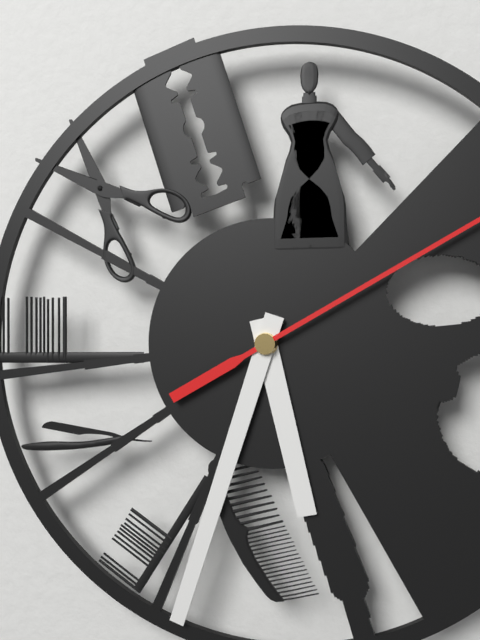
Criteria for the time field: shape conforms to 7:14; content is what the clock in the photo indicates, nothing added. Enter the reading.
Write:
5:33
